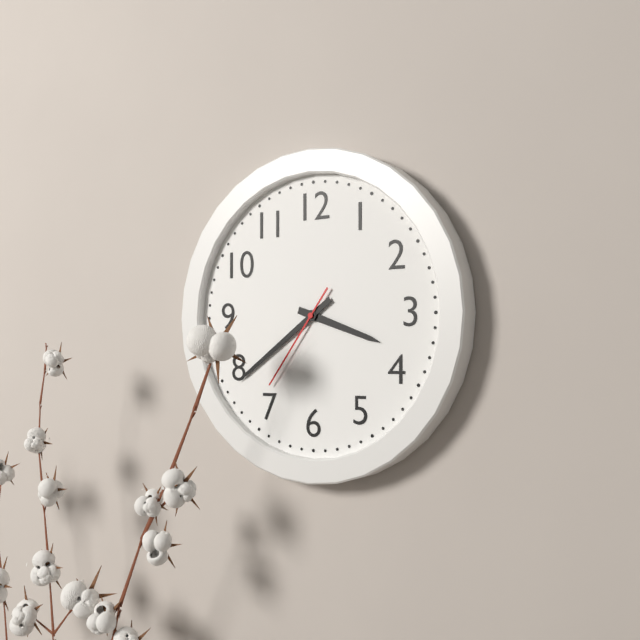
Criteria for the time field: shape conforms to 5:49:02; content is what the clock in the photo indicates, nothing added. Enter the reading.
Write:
3:39:36
